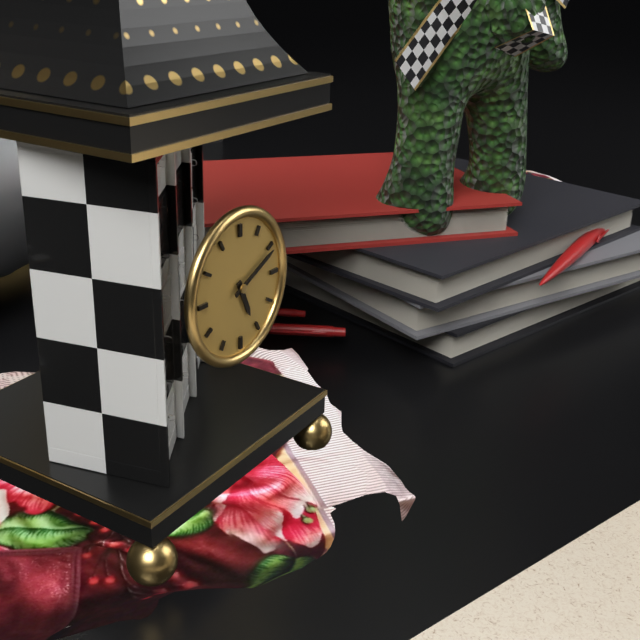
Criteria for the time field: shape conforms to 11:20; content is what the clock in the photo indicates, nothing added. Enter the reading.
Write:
5:11
